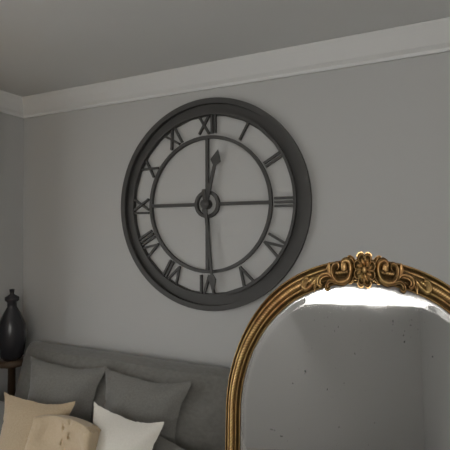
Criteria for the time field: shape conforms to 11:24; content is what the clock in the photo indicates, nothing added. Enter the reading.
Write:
12:29
